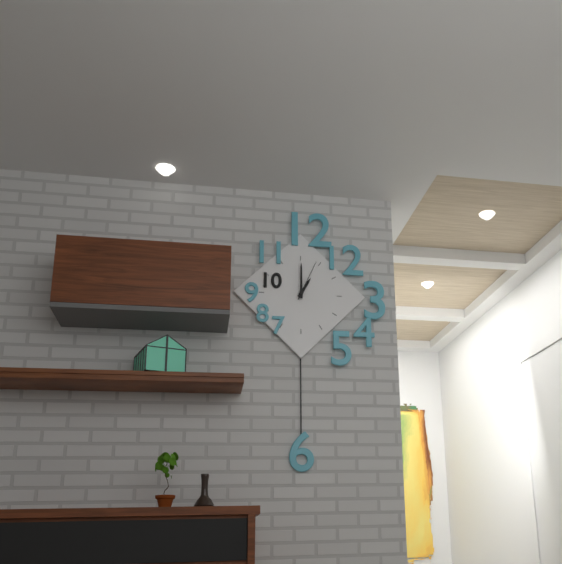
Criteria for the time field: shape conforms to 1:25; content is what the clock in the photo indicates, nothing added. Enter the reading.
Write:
1:00
